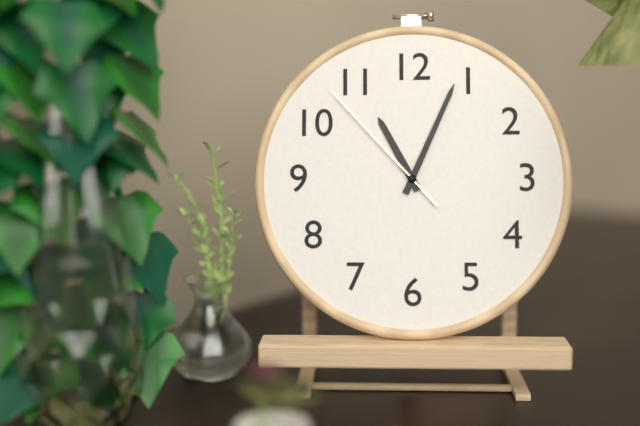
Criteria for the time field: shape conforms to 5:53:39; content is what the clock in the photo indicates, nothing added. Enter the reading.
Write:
11:04:53
